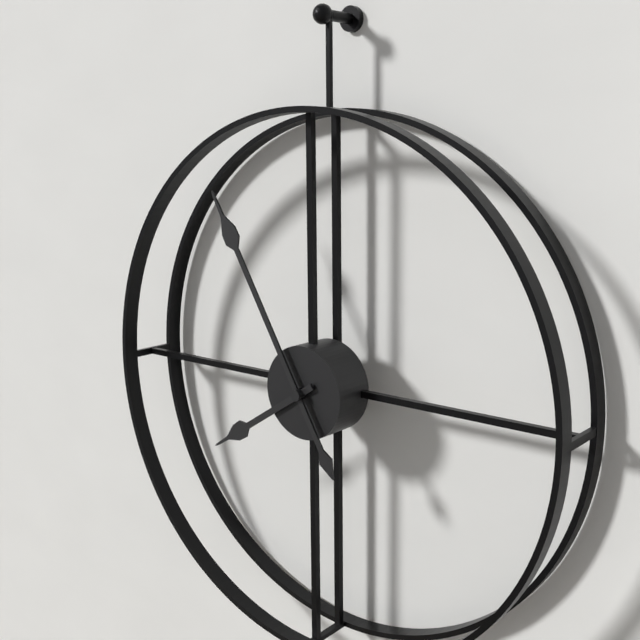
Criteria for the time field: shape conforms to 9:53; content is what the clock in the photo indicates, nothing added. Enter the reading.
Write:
7:55
